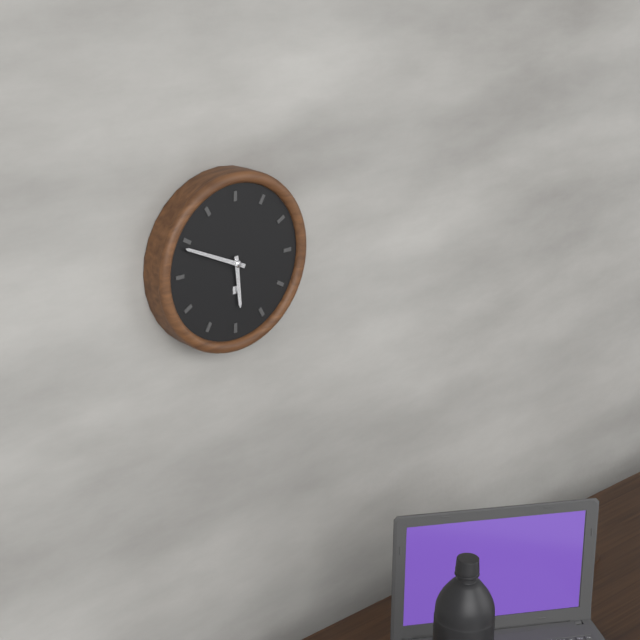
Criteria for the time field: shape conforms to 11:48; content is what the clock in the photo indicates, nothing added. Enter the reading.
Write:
5:49
